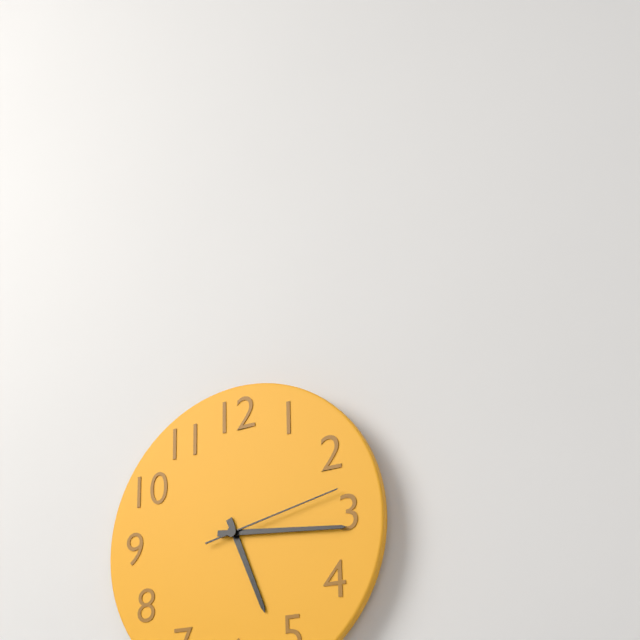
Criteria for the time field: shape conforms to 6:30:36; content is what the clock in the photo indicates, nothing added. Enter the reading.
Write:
5:16:13
